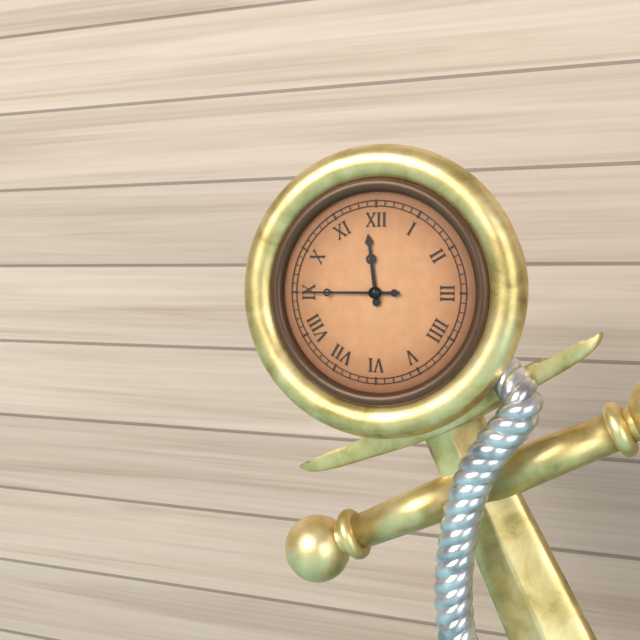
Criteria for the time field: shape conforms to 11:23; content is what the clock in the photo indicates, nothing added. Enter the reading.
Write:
11:45
